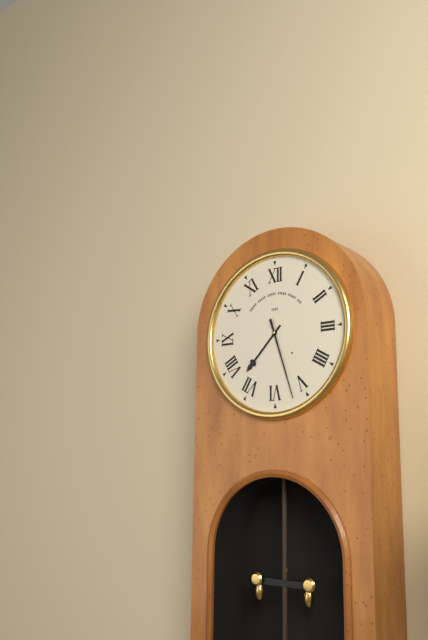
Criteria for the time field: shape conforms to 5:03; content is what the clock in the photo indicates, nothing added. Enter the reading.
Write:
7:27
